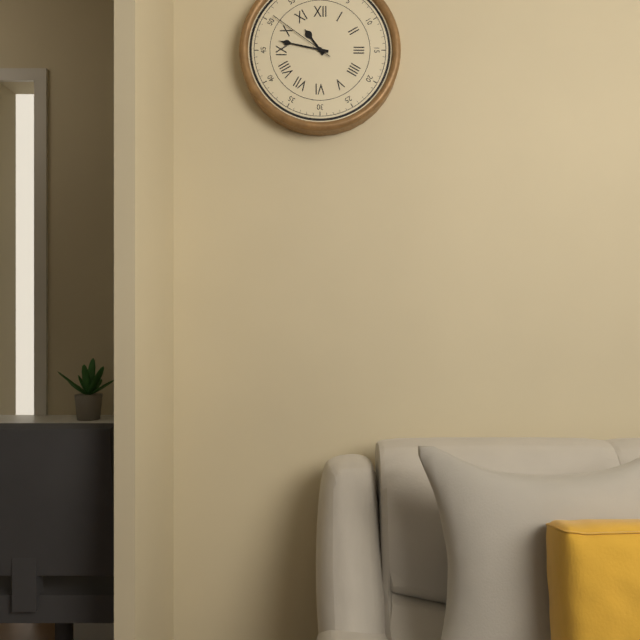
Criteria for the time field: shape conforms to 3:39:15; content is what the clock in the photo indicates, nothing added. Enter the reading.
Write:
10:47:51
